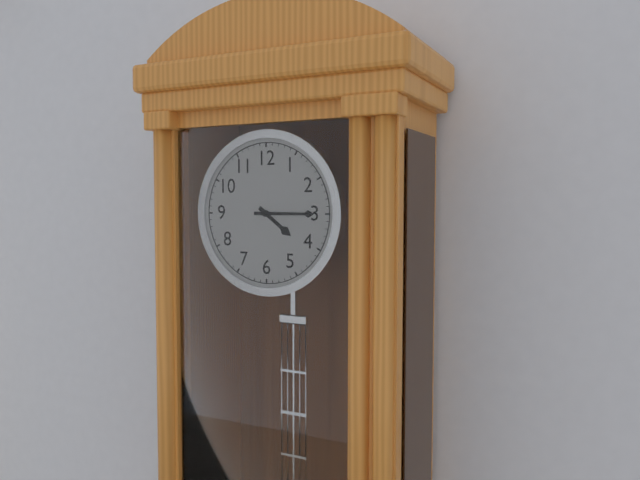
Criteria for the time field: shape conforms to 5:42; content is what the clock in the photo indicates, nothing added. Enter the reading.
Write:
4:15
